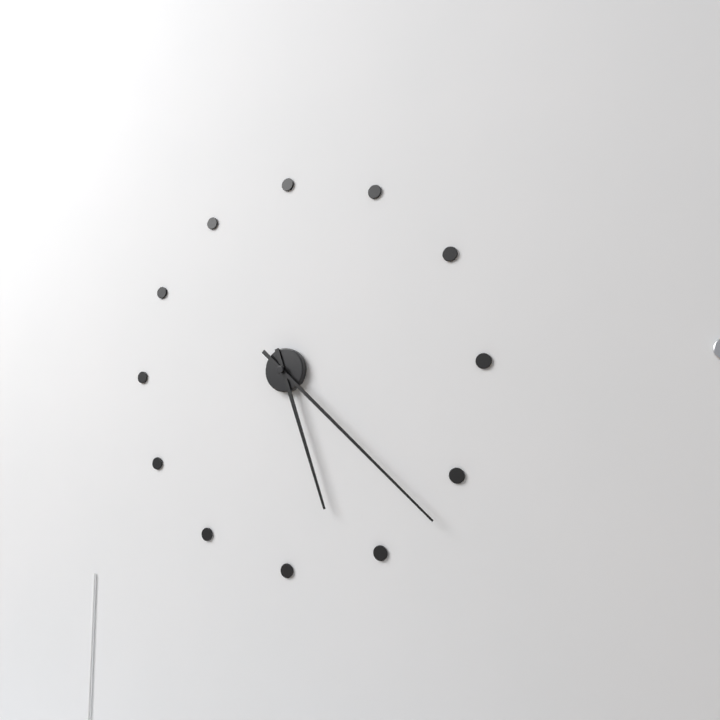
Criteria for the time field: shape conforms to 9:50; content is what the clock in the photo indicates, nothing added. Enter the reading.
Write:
5:22
